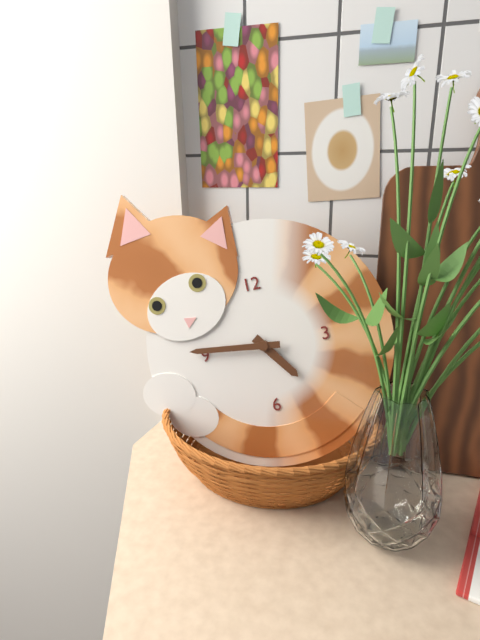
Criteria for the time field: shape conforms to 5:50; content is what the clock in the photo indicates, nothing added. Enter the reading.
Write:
4:46
